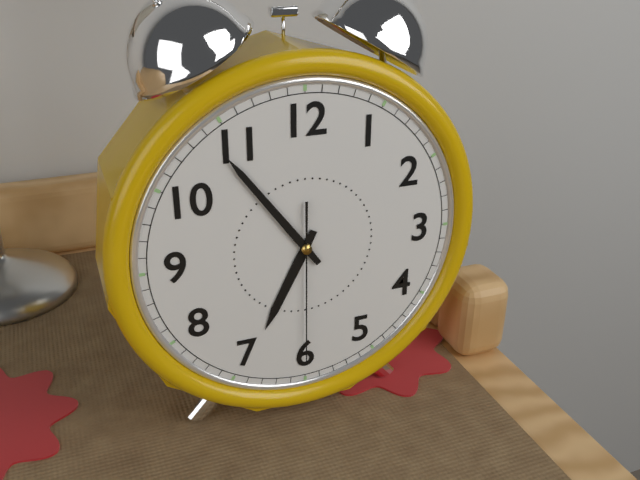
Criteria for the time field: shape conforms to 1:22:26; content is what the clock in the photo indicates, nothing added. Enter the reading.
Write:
6:54:30
